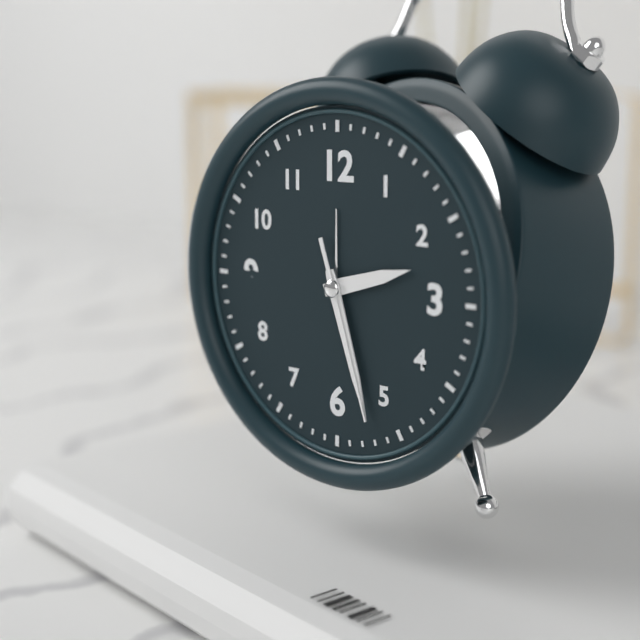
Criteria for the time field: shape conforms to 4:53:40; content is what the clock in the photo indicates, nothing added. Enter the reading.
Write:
2:27:27
